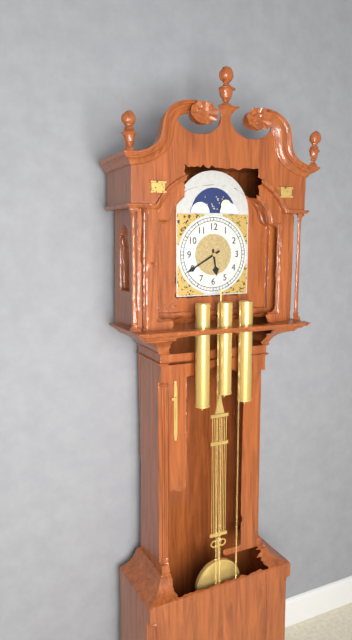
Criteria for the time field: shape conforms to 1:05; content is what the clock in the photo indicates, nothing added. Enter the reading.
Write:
5:40
